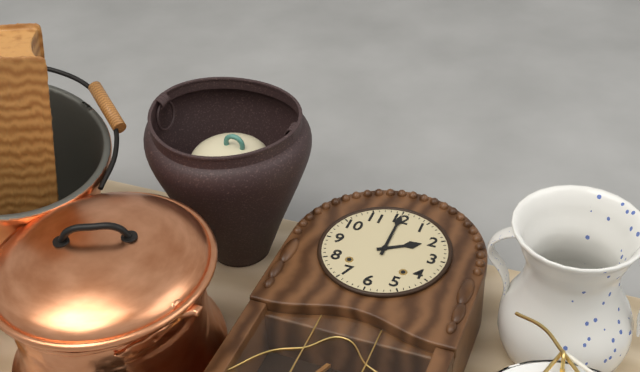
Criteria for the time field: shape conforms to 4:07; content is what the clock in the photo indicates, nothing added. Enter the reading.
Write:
2:00
